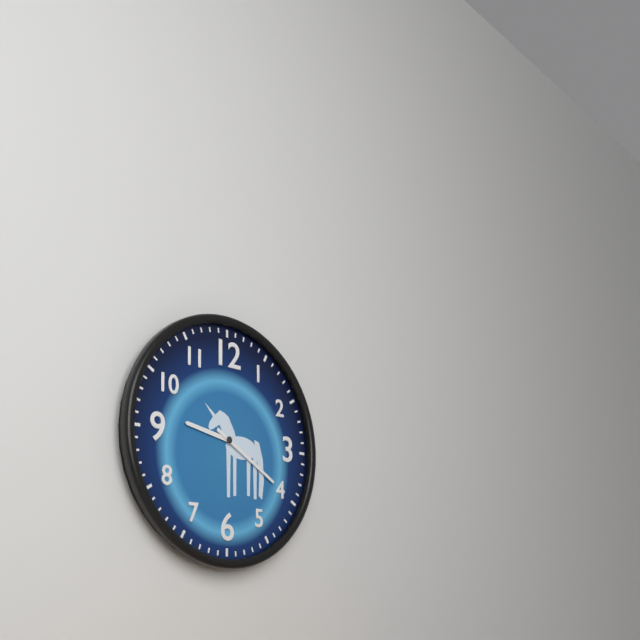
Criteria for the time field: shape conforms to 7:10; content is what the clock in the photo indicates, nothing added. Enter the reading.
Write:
9:20
